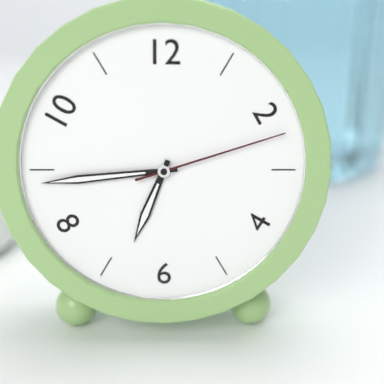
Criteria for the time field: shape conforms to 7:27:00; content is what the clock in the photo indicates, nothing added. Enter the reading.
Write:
6:44:12
